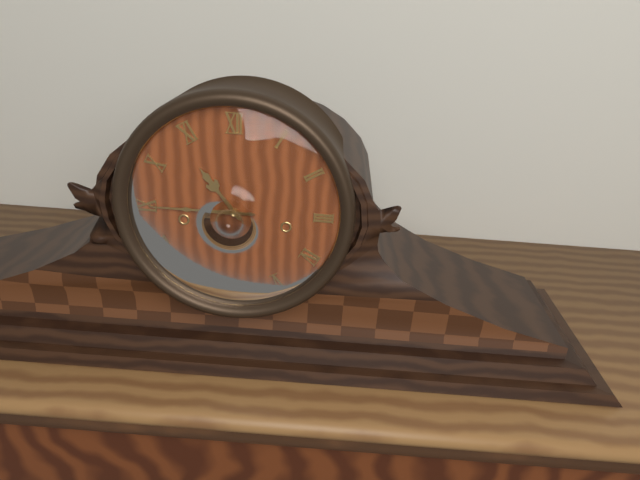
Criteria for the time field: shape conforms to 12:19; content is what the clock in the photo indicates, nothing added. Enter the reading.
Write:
10:45
